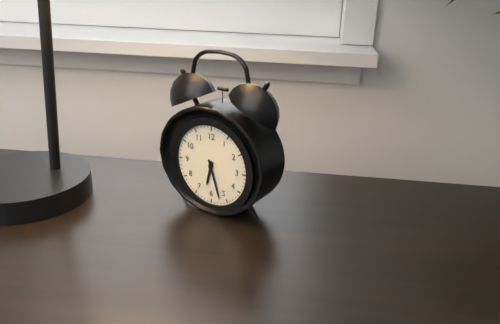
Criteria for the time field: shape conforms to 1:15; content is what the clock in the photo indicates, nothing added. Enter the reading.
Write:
6:27
